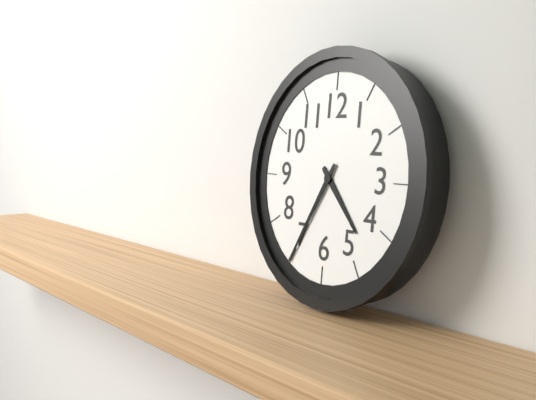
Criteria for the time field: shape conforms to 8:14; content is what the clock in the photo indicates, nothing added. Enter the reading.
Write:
4:35
